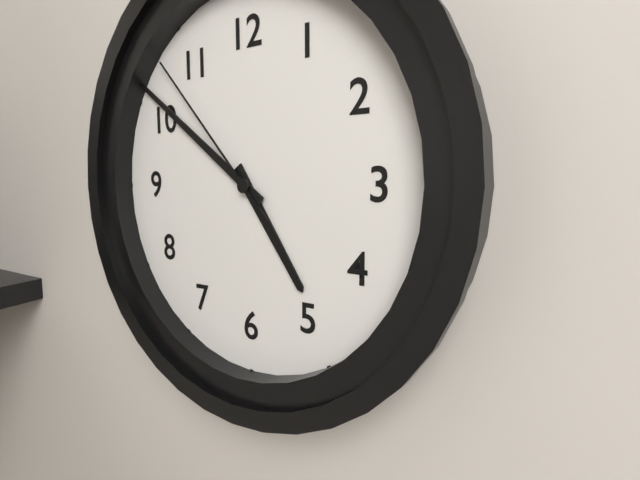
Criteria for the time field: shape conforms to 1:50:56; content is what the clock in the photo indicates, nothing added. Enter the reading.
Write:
4:51:53
